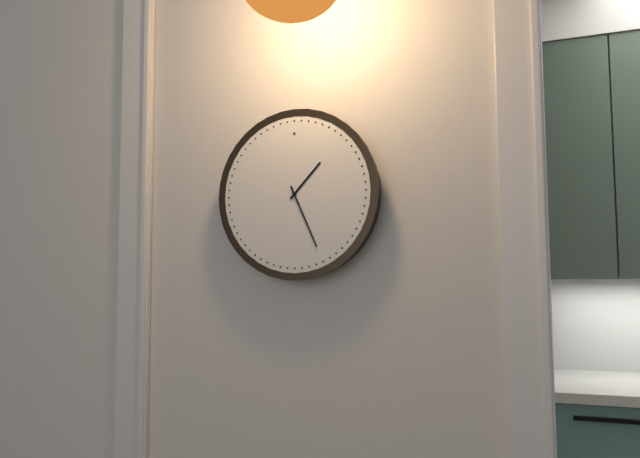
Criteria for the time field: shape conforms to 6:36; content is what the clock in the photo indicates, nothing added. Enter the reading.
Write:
1:26
